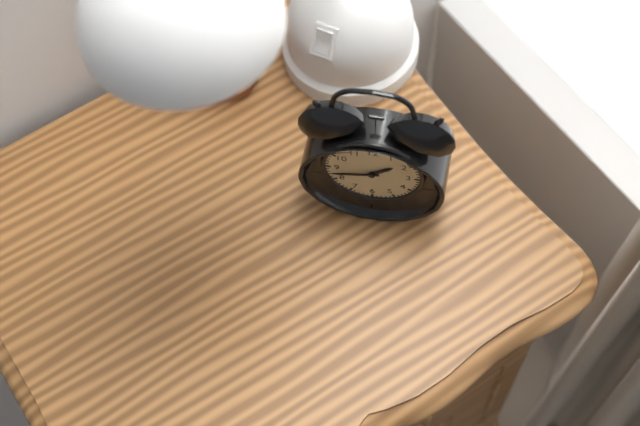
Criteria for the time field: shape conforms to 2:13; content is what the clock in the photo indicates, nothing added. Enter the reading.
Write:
1:43
